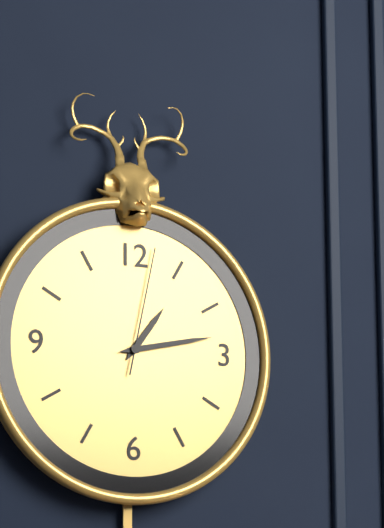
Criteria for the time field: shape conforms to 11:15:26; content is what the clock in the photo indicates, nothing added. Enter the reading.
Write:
1:13:02
